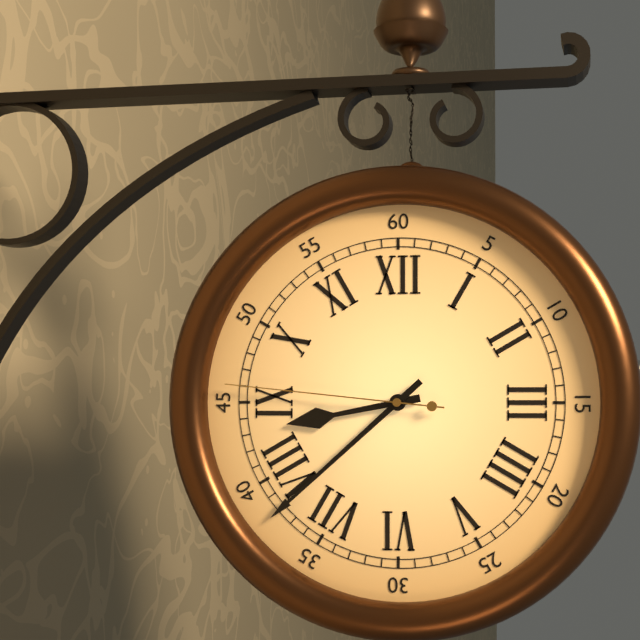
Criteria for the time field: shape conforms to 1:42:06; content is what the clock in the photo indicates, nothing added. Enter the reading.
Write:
8:38:46
